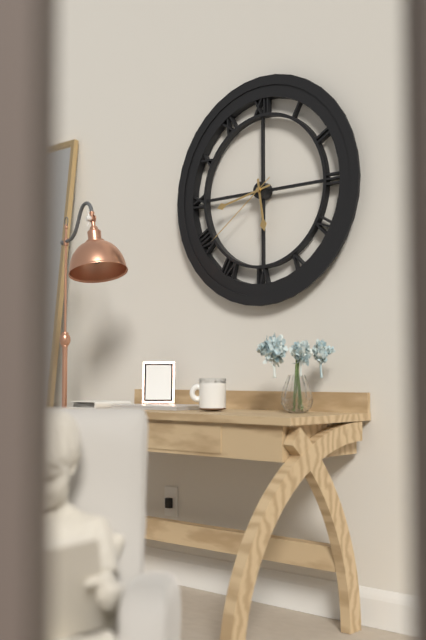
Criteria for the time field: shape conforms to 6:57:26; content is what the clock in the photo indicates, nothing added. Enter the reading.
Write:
5:43:39
